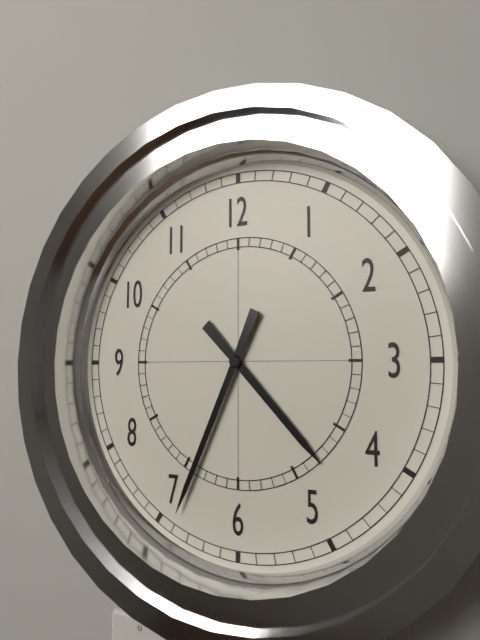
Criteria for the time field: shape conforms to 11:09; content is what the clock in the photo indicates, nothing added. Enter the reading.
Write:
4:34
